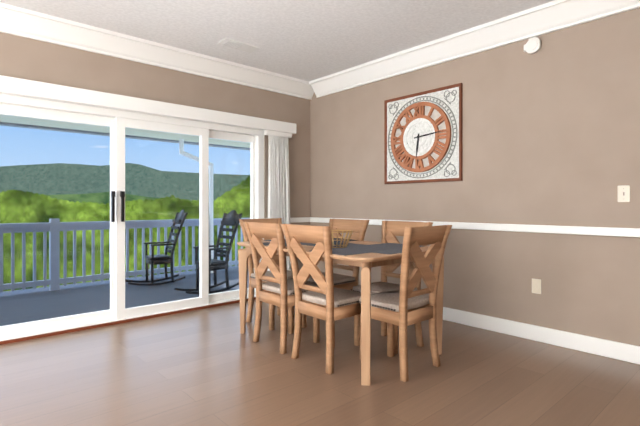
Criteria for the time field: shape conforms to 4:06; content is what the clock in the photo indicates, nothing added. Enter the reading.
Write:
6:14
